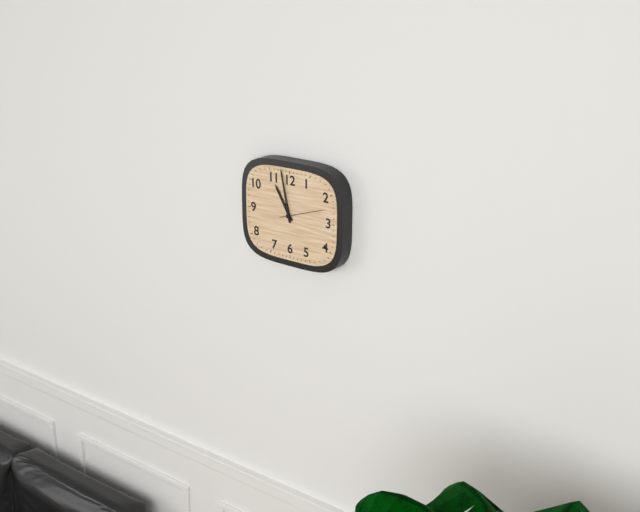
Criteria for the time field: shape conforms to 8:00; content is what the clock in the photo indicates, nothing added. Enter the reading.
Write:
10:58
